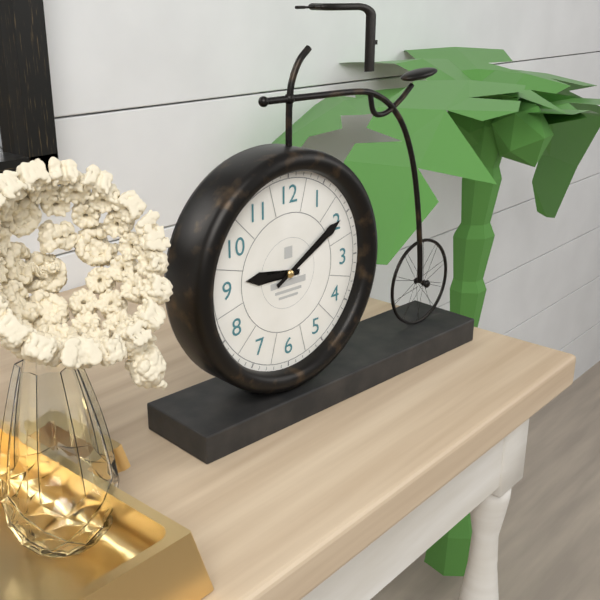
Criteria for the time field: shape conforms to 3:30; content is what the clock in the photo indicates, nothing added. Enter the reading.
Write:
9:10
